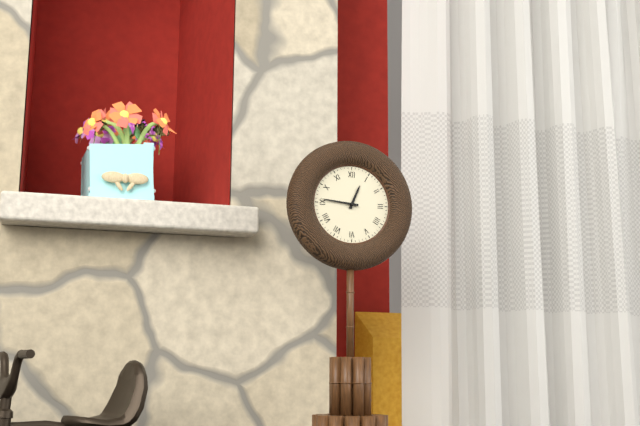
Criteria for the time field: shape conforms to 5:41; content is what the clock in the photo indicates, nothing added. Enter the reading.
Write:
12:46
